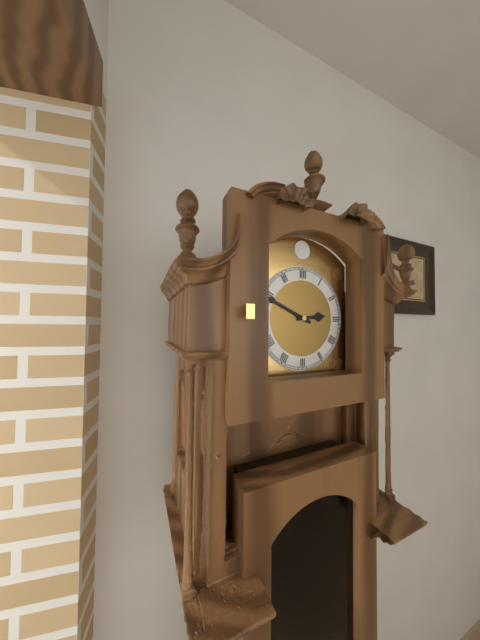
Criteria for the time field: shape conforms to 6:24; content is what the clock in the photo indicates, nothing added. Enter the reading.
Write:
2:49
